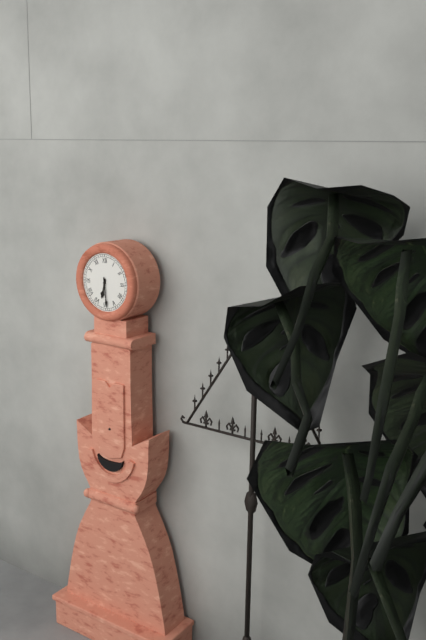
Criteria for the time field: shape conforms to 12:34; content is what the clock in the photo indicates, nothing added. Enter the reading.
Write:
6:29
